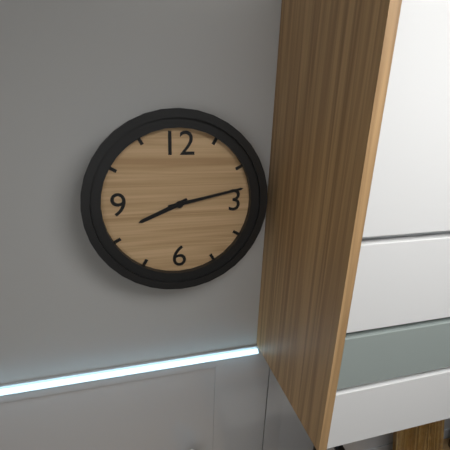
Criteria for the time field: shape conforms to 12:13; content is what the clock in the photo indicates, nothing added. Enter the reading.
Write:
8:13
